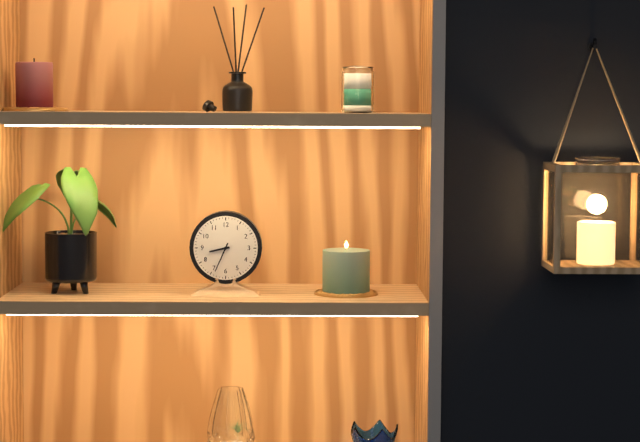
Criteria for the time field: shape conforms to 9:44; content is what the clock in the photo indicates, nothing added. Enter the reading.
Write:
8:34
